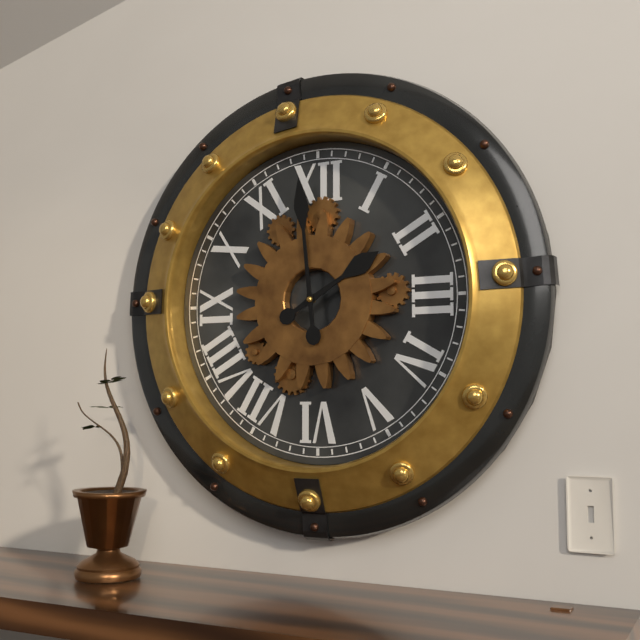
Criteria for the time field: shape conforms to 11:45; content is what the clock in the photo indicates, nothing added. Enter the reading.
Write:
1:59
